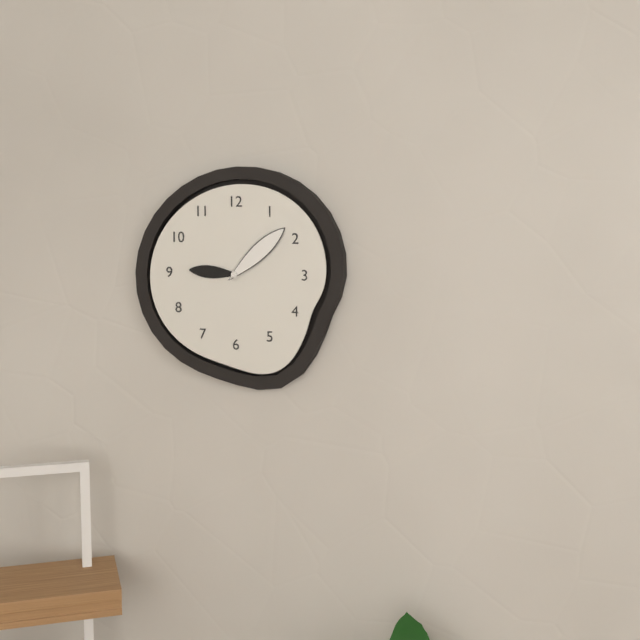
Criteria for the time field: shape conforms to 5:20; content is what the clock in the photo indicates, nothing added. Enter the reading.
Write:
9:08
